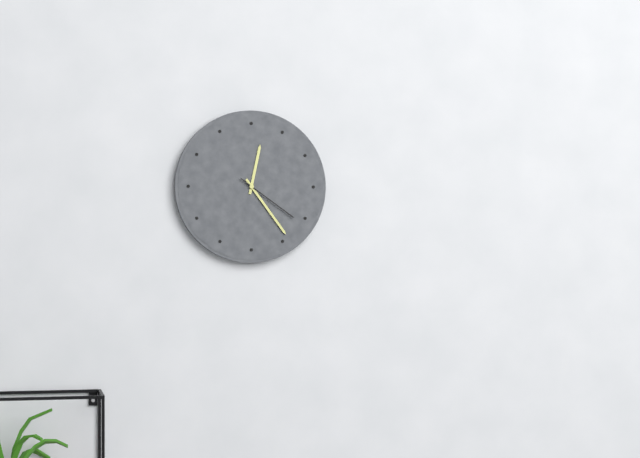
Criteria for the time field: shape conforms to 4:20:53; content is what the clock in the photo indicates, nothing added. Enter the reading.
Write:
12:24:21
